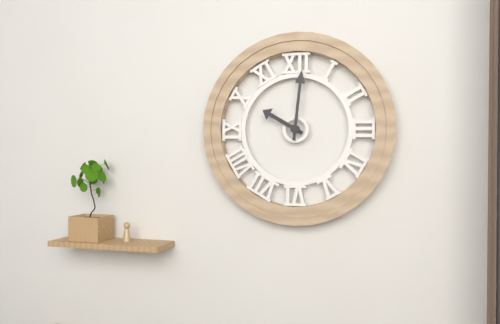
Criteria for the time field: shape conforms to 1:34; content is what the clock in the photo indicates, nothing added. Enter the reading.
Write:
10:01
